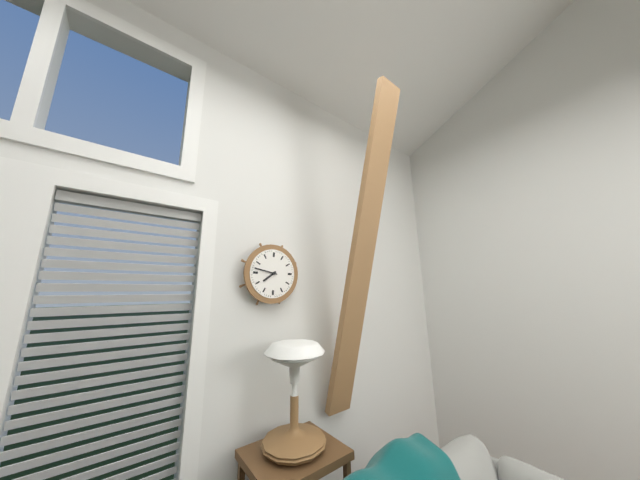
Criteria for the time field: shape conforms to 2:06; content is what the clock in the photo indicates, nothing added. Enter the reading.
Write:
7:47
